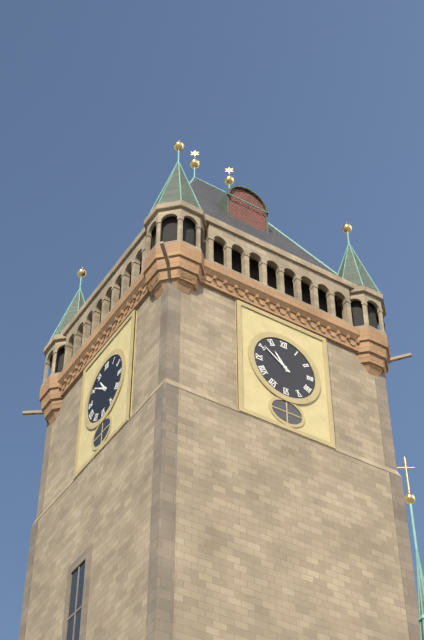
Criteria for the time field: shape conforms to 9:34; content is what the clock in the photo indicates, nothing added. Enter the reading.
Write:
10:51
